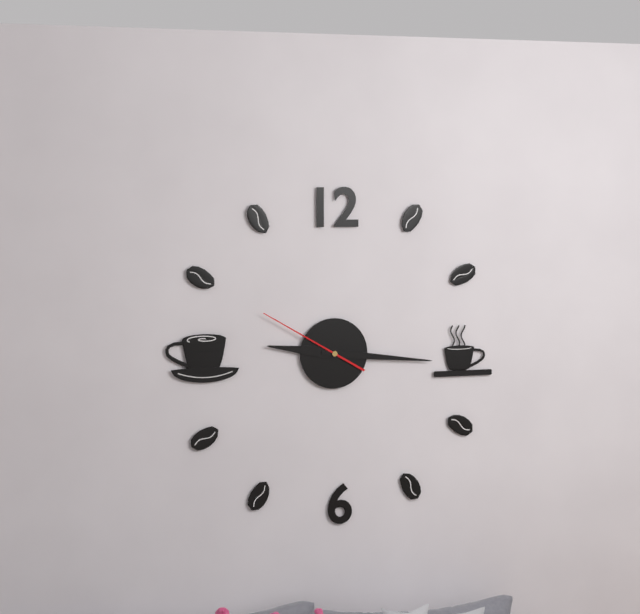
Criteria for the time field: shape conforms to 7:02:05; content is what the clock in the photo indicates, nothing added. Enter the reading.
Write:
9:16:50
